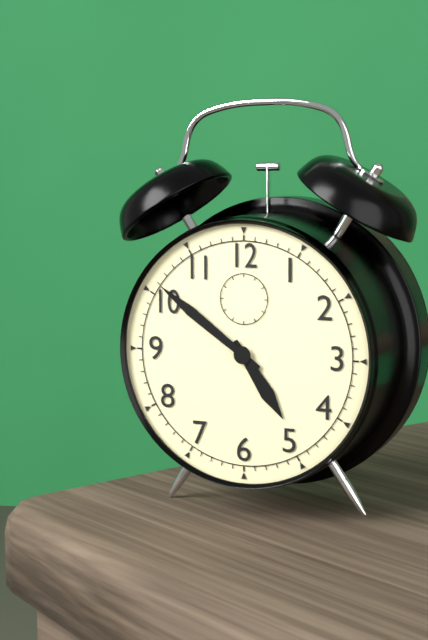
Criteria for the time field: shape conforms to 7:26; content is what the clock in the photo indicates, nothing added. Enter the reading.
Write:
4:51
